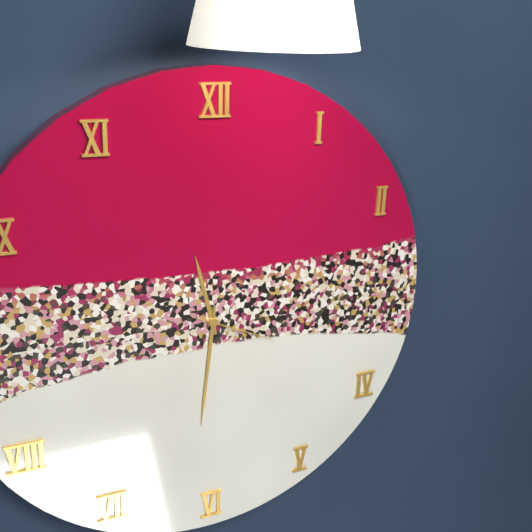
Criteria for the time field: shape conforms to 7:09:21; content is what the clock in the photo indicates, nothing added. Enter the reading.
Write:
11:31:19
